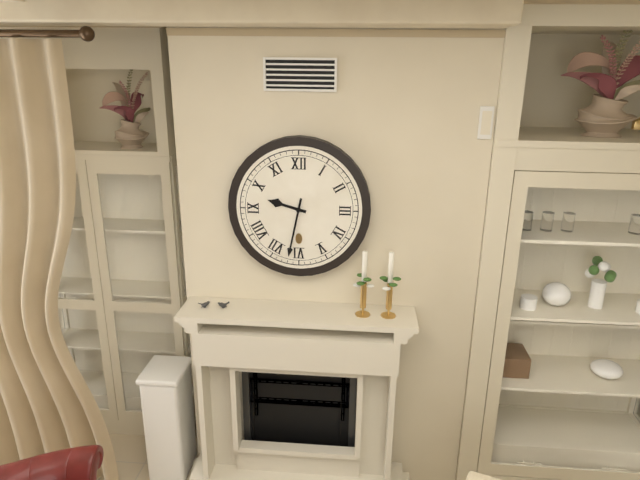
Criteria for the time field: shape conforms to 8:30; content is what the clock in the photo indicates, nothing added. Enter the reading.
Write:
9:32
